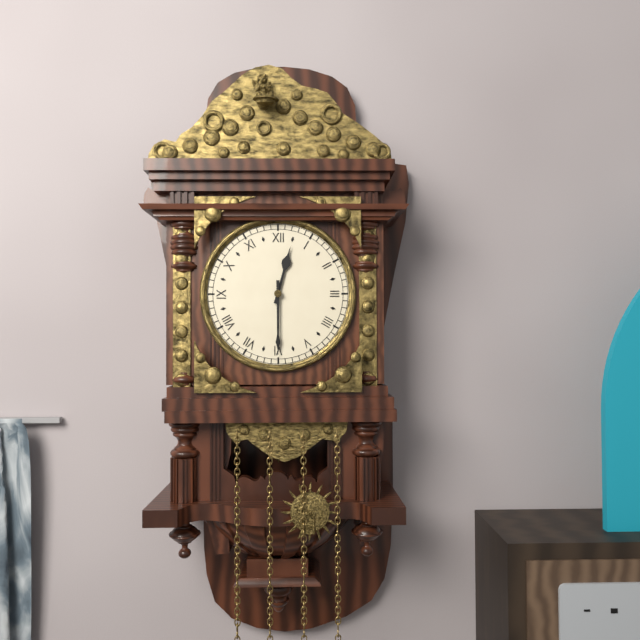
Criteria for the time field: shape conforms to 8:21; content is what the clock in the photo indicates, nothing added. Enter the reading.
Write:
12:30
